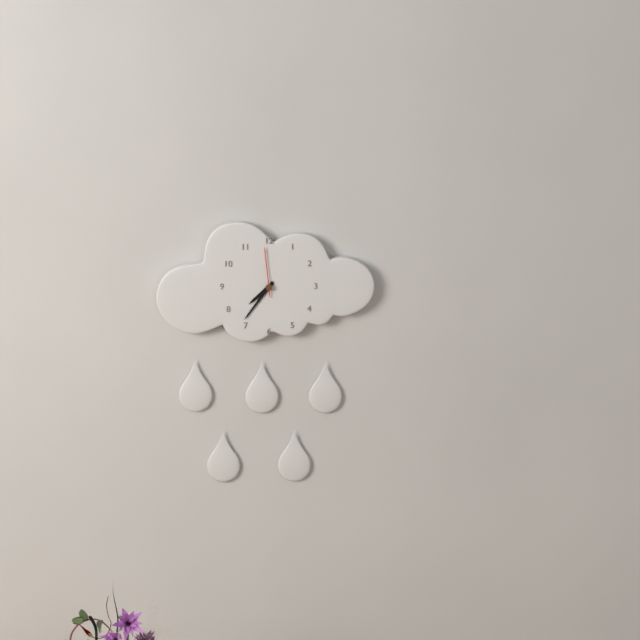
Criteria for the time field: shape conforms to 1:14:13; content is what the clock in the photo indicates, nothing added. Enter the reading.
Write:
7:36:59
